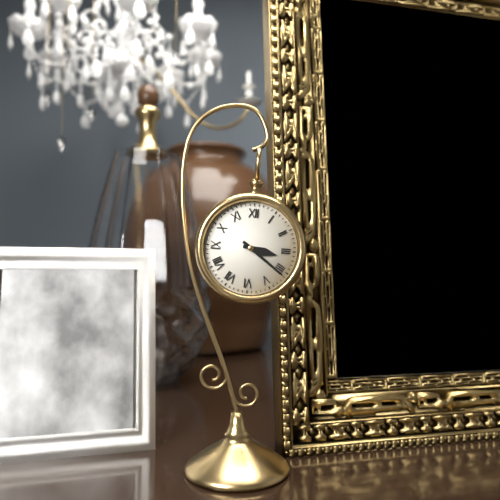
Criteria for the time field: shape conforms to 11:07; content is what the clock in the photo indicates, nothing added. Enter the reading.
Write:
3:21
